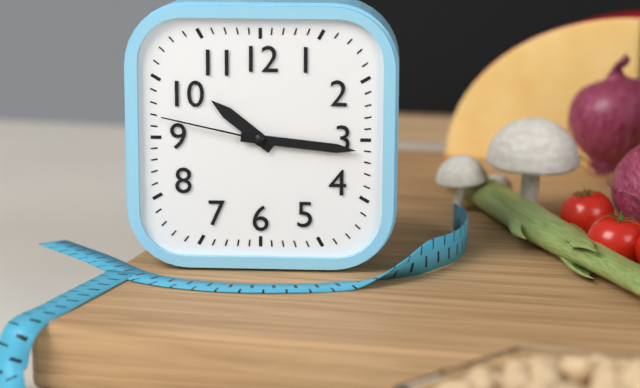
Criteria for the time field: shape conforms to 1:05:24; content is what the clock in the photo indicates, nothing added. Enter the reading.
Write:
10:16:47
